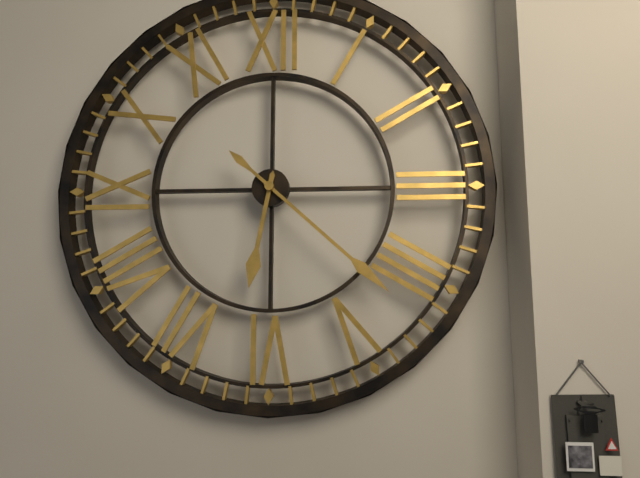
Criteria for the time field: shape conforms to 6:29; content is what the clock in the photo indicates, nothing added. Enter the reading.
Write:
6:22
